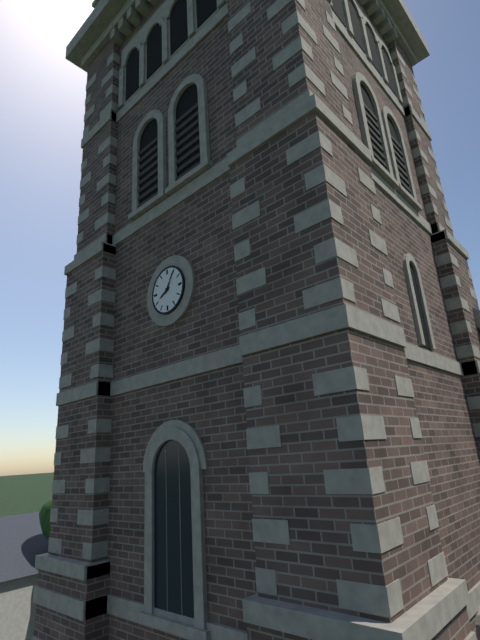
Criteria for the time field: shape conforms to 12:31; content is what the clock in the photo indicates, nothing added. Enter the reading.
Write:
8:05
